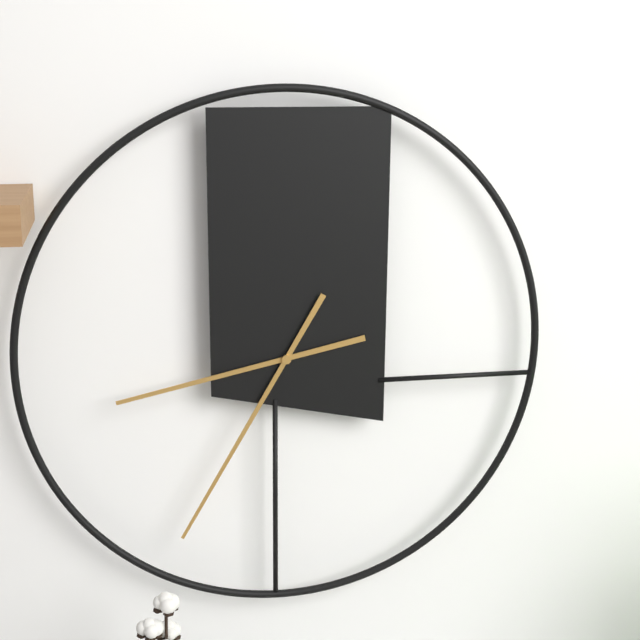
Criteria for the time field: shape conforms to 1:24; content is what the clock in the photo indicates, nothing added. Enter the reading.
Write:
8:35
